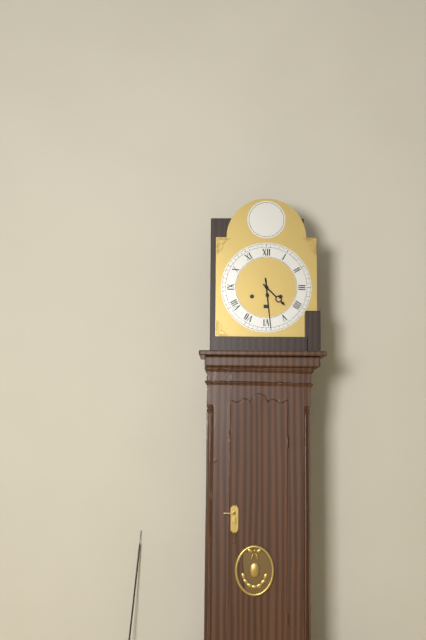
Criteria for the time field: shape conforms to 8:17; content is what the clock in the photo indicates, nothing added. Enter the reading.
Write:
4:29
